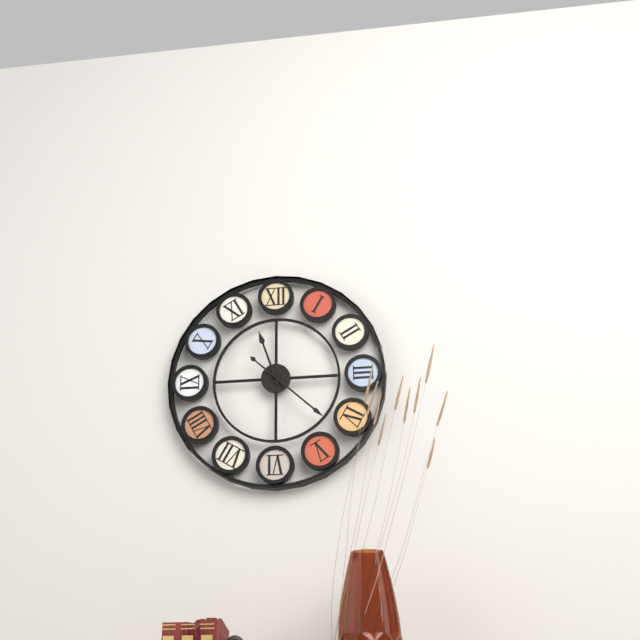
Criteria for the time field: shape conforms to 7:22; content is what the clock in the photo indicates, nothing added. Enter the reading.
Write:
11:22
